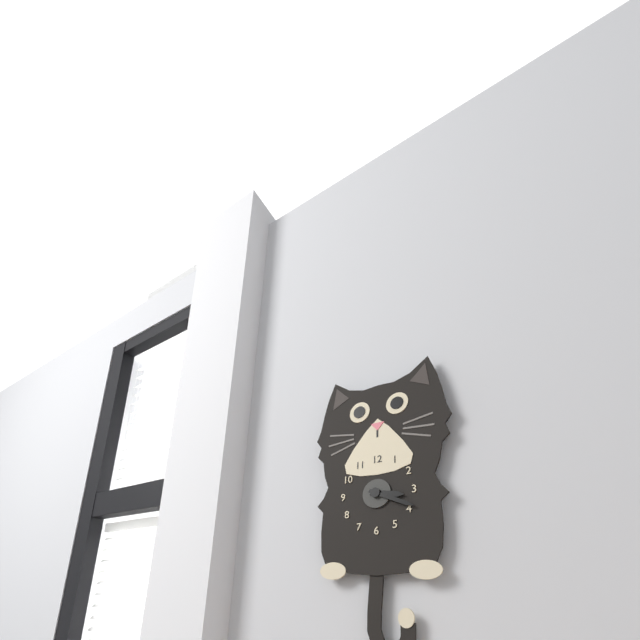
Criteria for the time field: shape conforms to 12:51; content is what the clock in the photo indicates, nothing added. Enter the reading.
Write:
3:19
